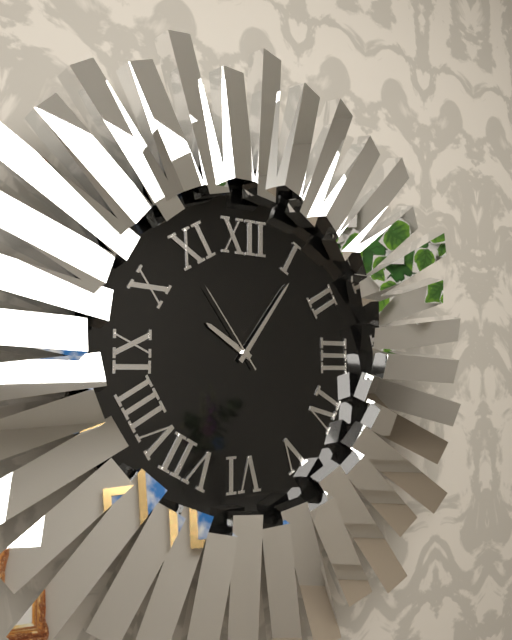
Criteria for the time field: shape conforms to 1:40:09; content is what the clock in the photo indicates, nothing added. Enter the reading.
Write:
10:06:54
